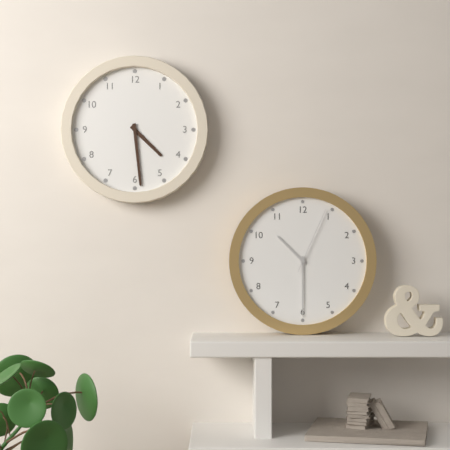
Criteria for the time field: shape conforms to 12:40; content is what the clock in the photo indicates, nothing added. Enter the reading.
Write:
4:29
